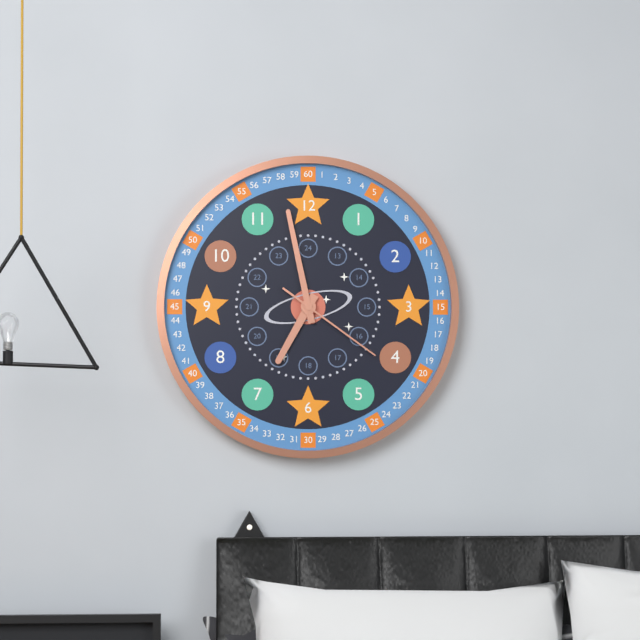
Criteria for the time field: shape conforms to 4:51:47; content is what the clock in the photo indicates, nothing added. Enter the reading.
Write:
6:58:21
